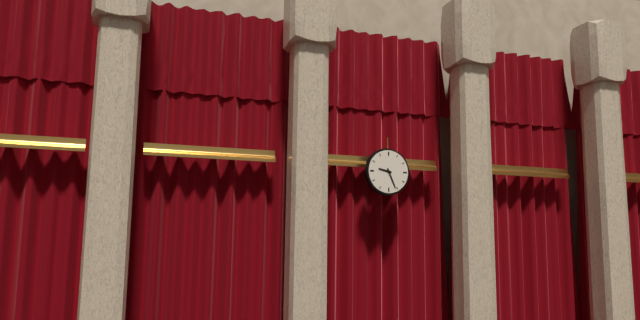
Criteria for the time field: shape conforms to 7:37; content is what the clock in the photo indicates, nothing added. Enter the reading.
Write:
9:26
